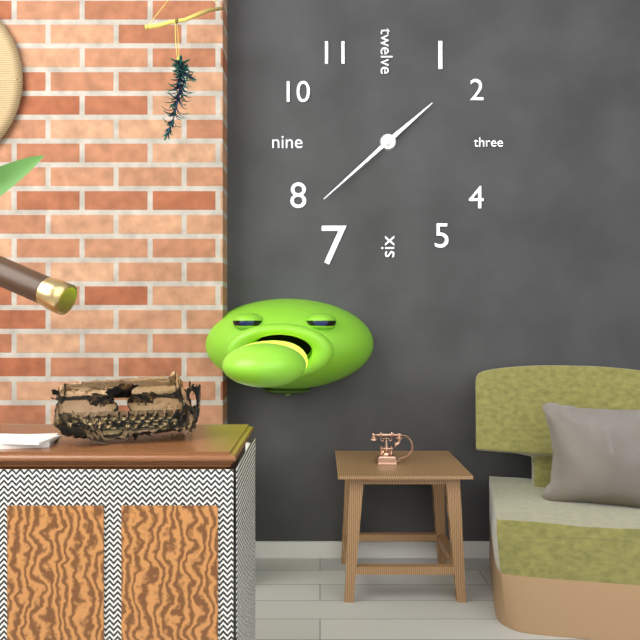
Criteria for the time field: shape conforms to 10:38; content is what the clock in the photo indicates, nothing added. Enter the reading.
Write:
1:38
